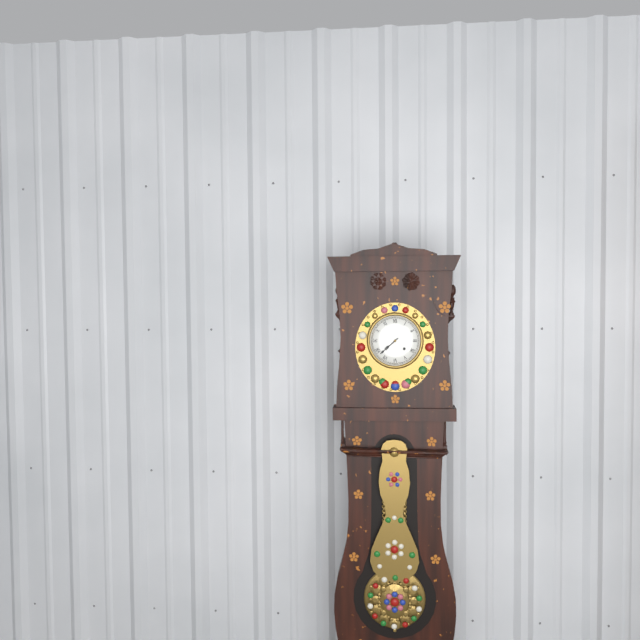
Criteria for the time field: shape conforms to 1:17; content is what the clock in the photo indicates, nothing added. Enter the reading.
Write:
7:38
